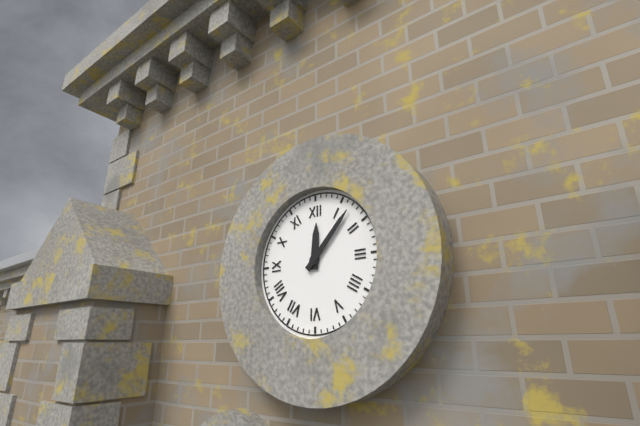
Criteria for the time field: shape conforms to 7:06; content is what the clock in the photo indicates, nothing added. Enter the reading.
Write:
12:07
